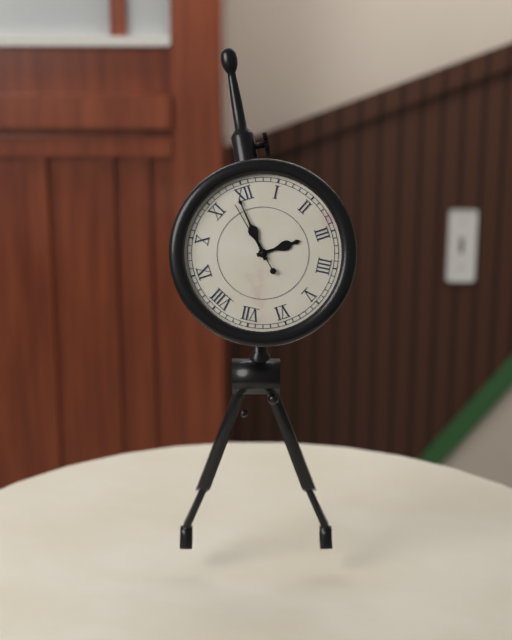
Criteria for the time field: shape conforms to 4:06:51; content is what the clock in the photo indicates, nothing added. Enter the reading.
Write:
2:59:58
